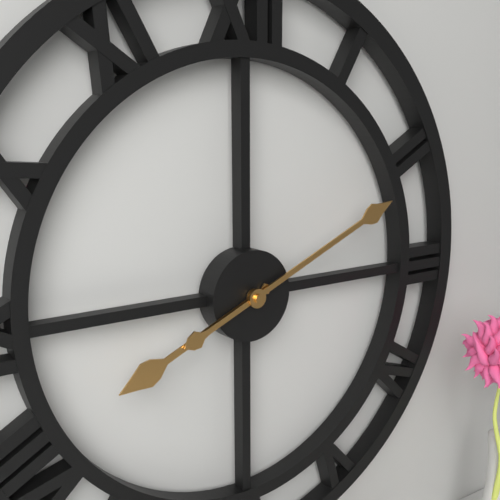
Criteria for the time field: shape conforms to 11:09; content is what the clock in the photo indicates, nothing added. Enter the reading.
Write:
8:11
